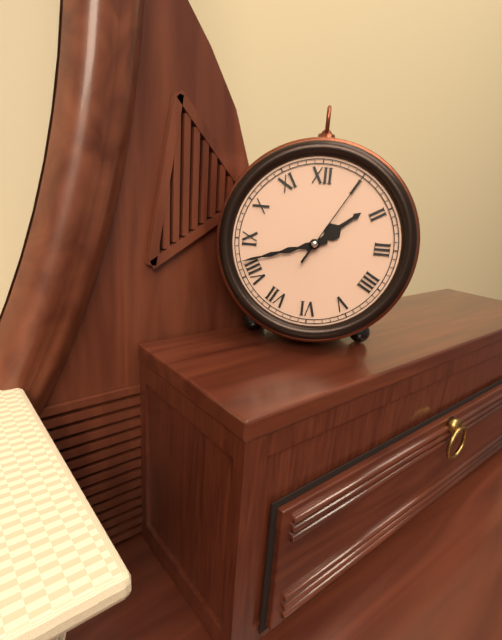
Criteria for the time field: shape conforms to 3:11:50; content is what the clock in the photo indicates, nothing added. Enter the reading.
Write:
1:42:05
